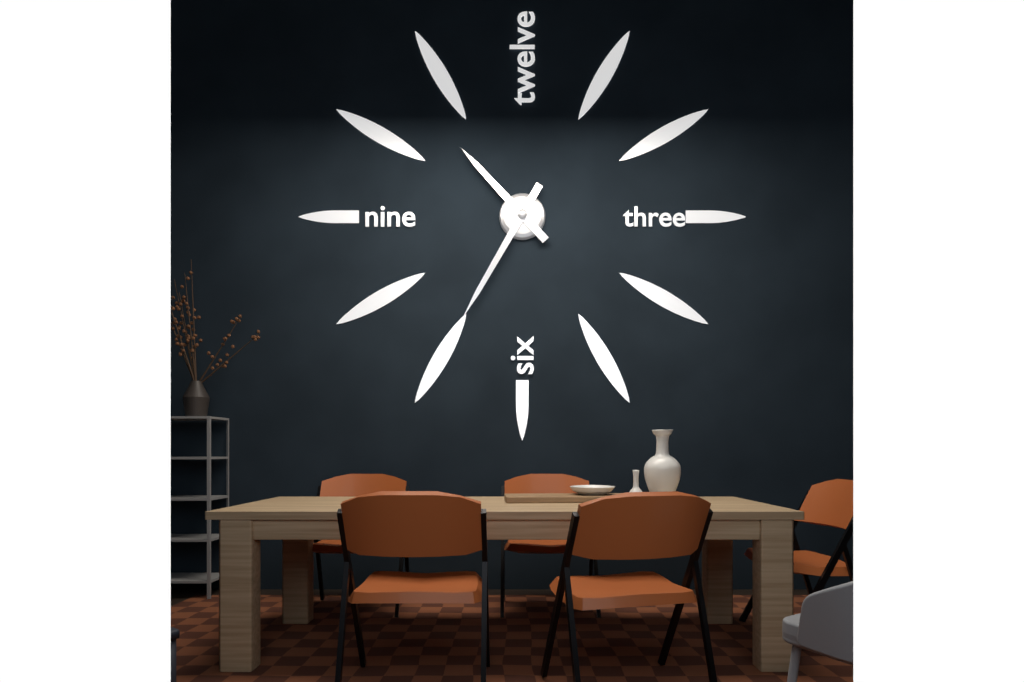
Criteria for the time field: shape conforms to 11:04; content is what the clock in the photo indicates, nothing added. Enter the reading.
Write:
10:35
